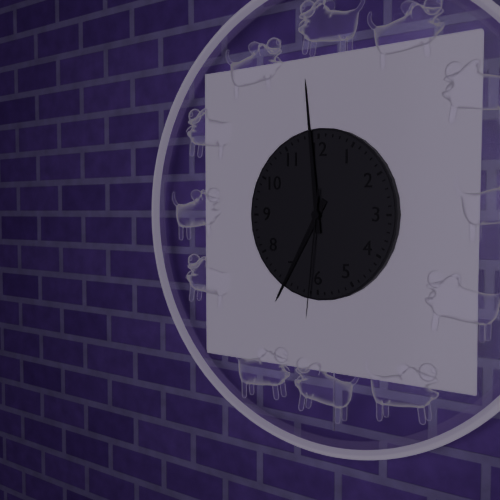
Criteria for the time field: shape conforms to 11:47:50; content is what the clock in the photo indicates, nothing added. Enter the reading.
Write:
6:59:31
